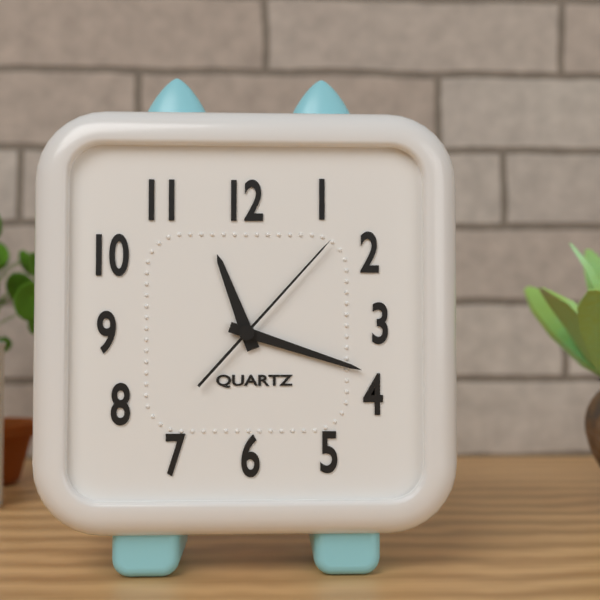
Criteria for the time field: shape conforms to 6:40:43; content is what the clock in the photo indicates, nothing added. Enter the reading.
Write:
11:18:07
